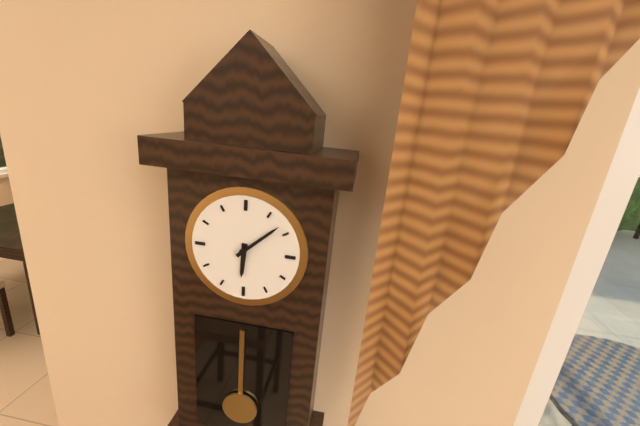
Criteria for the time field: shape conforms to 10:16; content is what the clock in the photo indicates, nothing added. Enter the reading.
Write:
6:08
